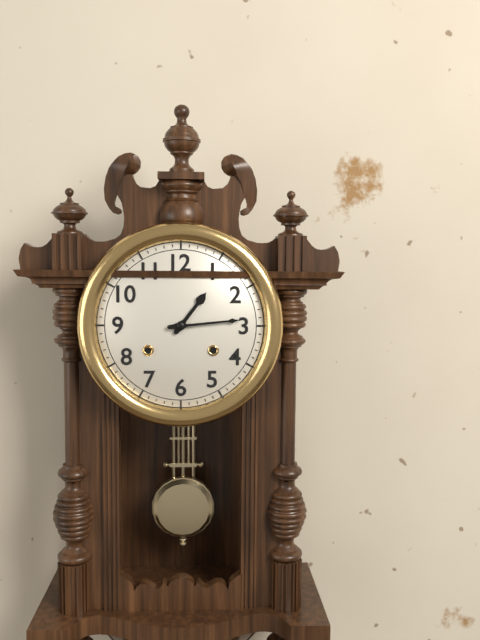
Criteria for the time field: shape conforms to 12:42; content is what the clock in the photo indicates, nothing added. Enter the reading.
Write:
1:14
